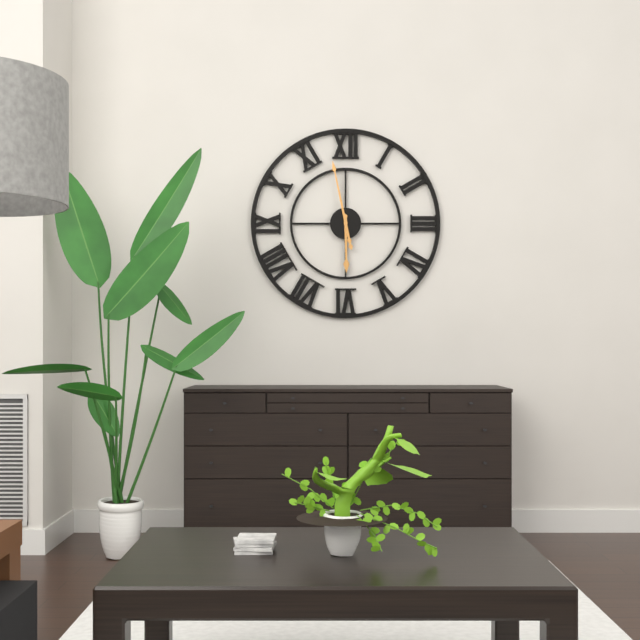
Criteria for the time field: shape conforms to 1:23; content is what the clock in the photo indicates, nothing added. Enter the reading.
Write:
5:58
